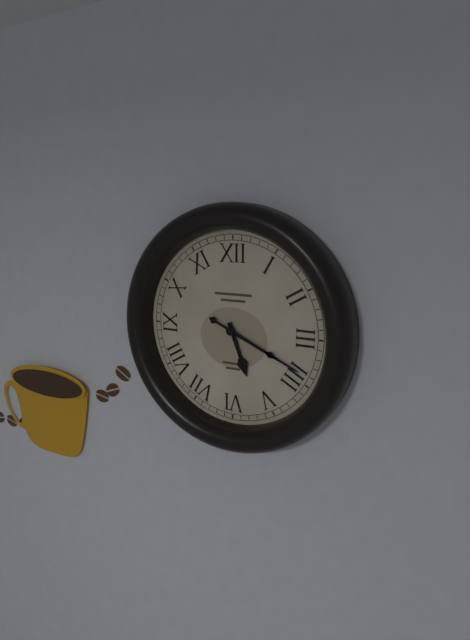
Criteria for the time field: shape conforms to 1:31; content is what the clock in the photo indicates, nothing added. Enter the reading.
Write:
5:19
